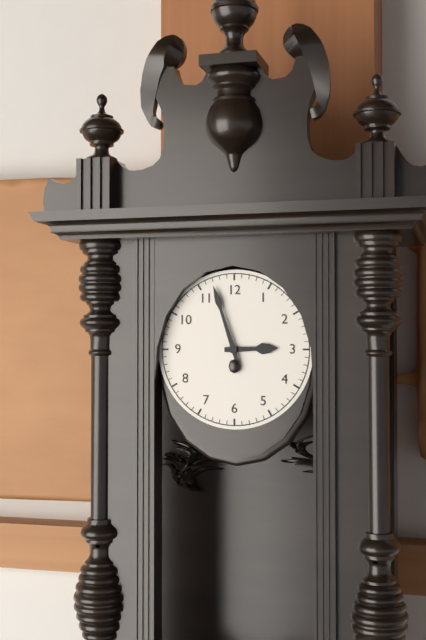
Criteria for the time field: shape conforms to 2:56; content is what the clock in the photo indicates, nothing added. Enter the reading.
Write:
2:57
